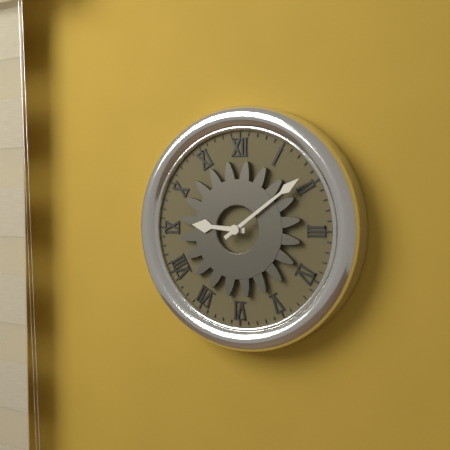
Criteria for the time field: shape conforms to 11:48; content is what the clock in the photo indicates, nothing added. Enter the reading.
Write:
9:09
